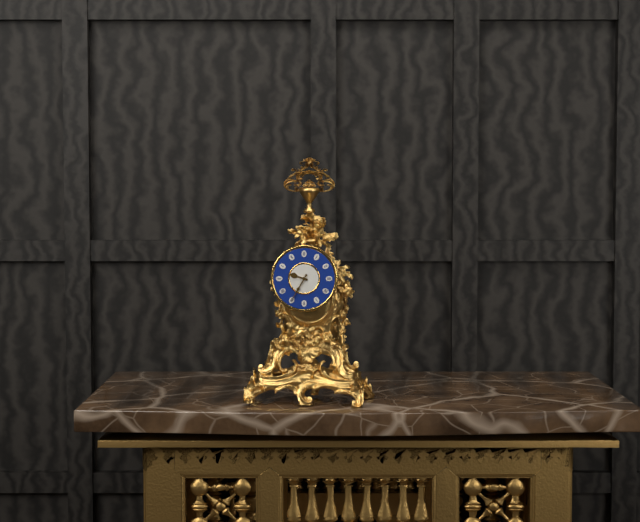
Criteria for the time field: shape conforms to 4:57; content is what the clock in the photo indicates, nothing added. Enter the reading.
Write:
9:35
